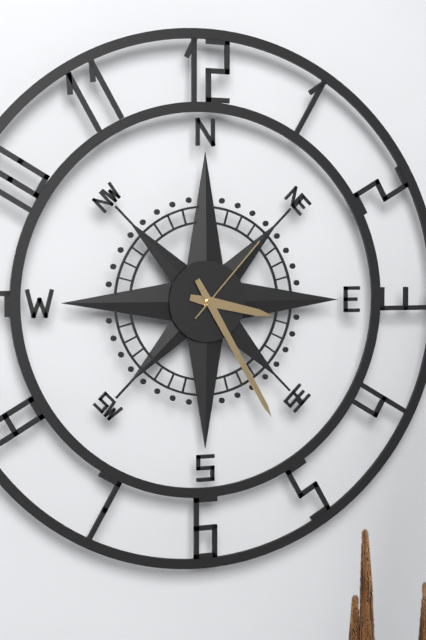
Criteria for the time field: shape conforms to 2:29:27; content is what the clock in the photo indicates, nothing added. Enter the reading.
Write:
3:25:07
